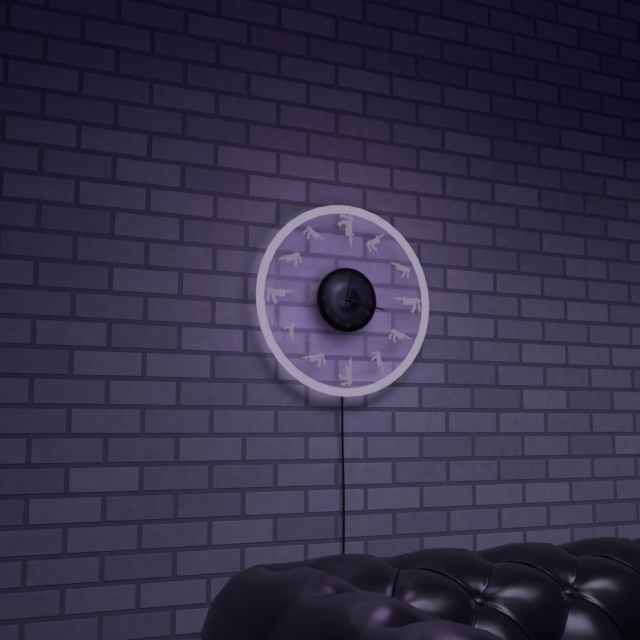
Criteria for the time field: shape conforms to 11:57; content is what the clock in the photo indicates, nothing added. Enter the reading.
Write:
12:17
